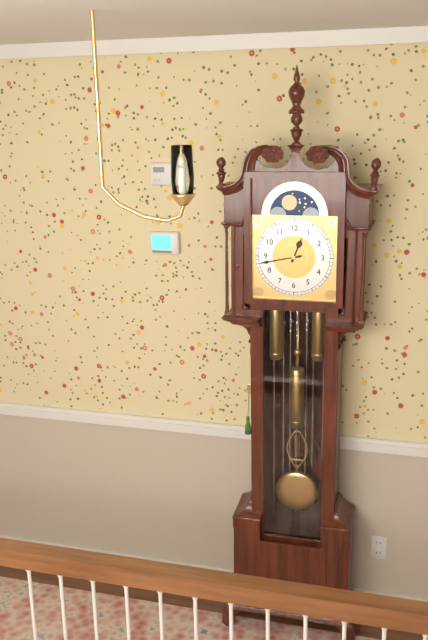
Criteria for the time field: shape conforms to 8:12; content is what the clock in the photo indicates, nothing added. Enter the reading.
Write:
12:43
